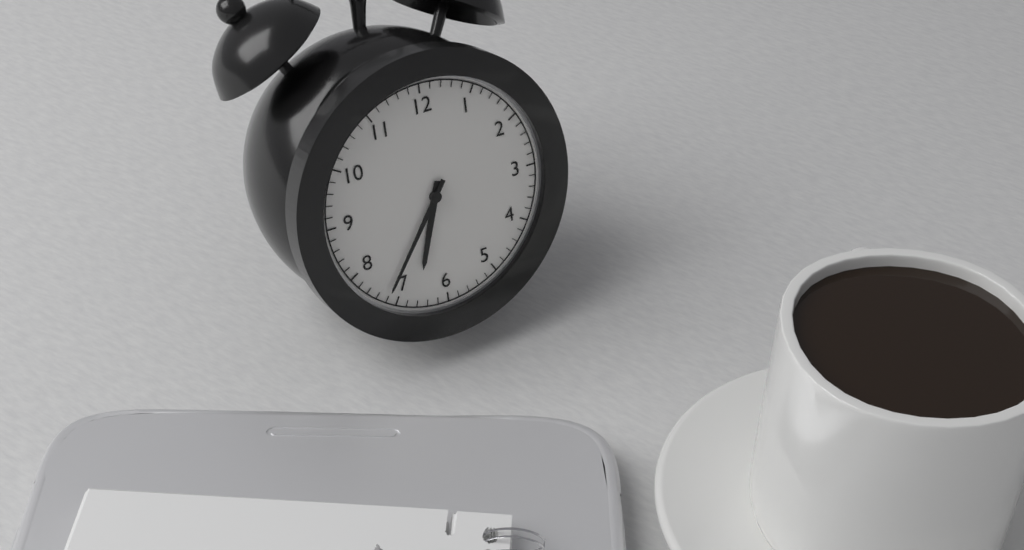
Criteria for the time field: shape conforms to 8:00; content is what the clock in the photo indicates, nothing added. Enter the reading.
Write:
6:36
